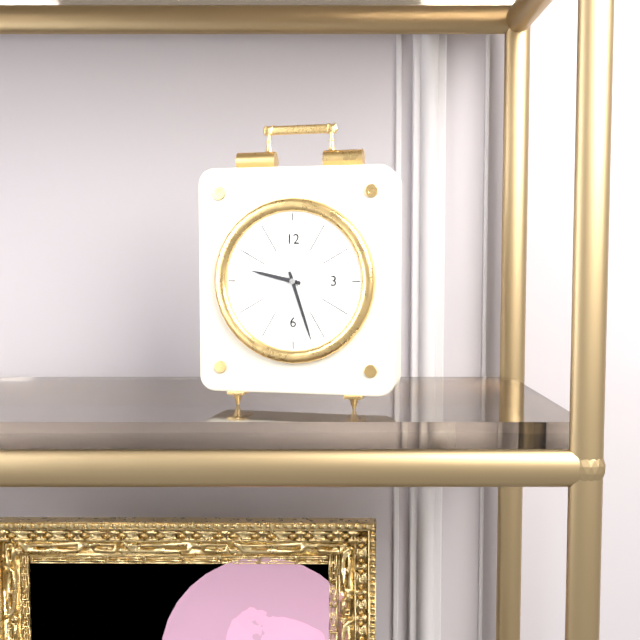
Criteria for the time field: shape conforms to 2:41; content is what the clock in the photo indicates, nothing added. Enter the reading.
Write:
9:27
